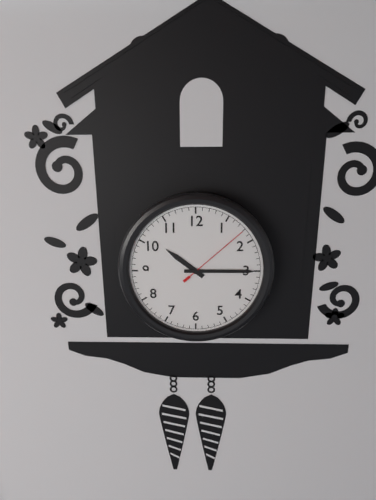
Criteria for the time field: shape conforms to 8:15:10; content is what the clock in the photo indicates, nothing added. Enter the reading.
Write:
10:15:08
